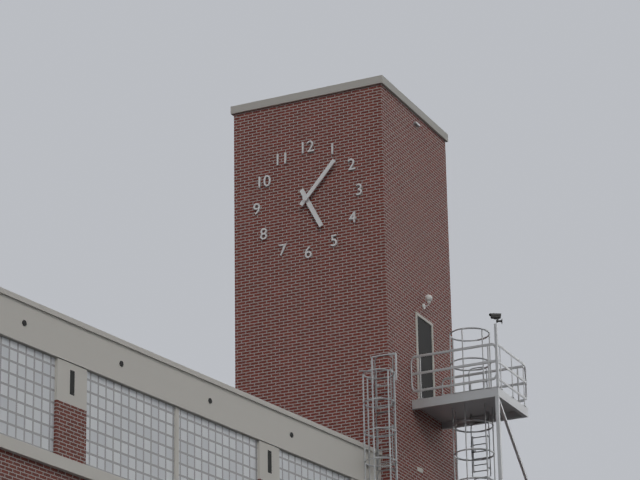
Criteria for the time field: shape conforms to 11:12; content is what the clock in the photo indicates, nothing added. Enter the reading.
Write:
5:07
